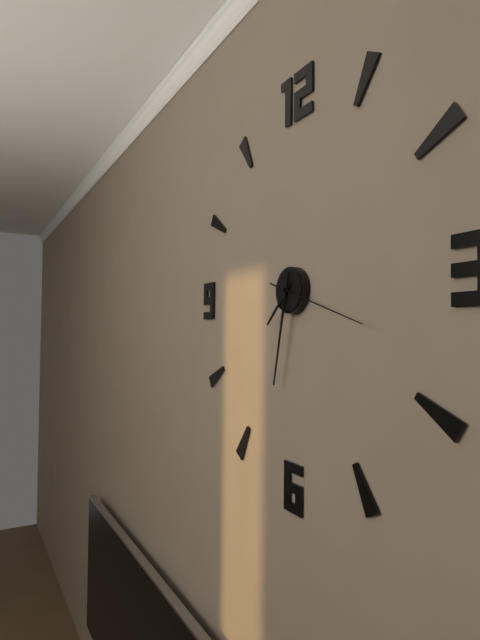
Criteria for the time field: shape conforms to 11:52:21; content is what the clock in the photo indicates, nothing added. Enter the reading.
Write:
7:32:18
